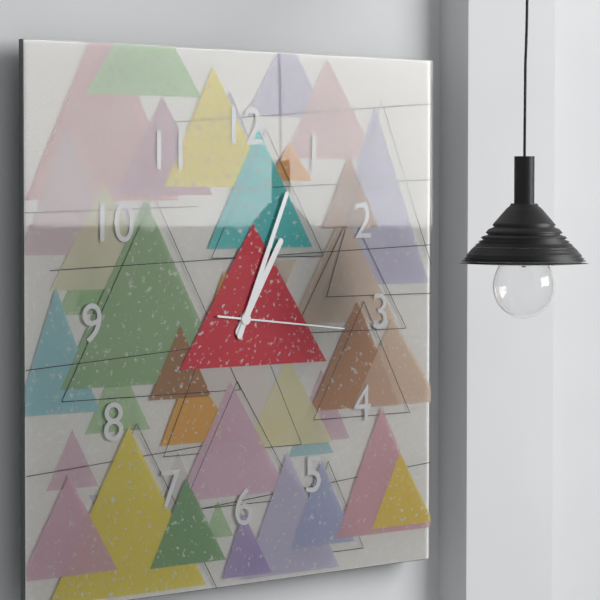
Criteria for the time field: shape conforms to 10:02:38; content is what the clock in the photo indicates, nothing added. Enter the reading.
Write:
1:04:16
